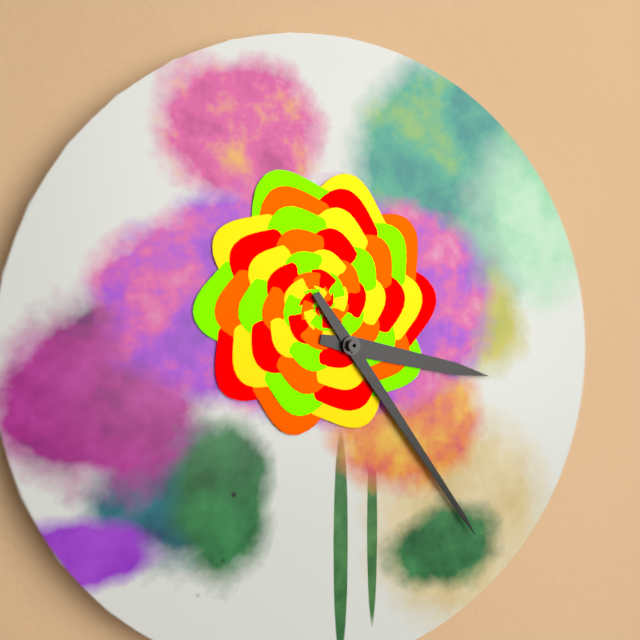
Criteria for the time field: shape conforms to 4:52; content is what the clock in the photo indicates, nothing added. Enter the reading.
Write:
3:24
